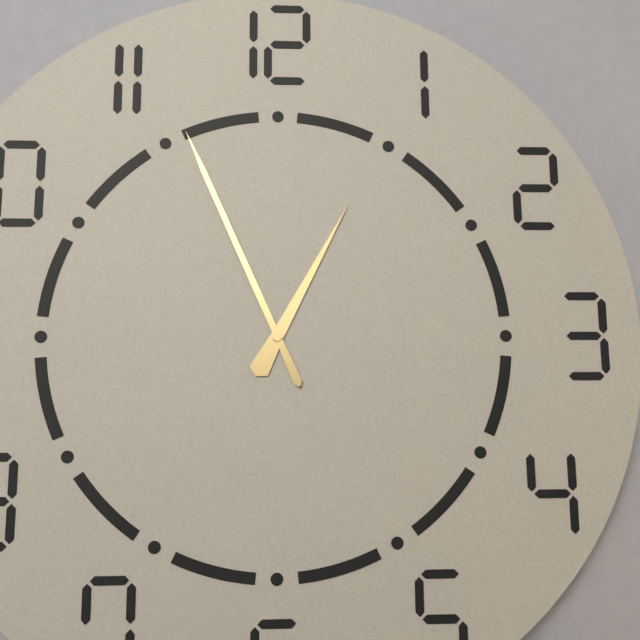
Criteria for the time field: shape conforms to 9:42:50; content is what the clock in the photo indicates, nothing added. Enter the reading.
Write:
12:56:56
